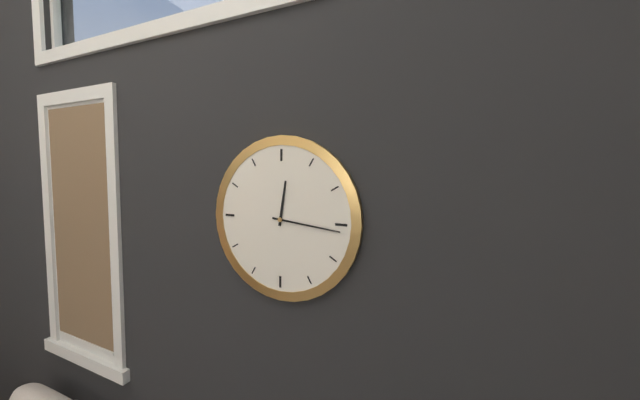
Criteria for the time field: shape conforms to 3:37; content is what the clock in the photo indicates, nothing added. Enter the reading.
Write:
12:16
